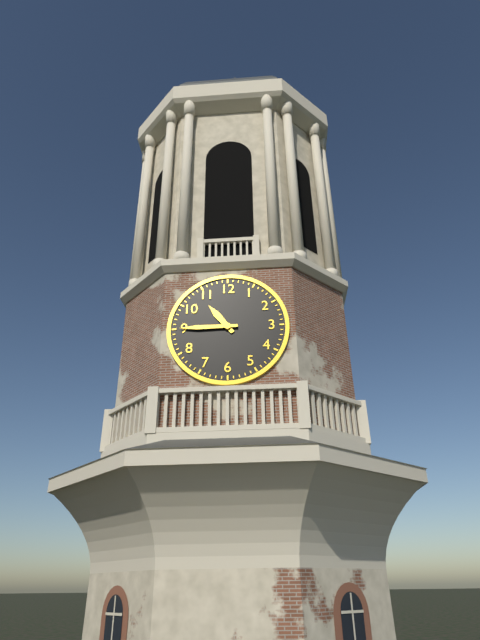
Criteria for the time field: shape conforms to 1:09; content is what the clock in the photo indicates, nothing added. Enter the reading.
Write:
10:45
